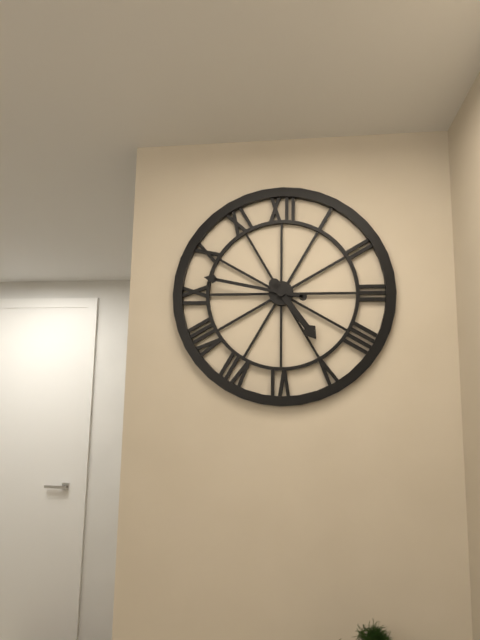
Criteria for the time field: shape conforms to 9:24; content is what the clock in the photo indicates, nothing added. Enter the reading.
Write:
4:47
